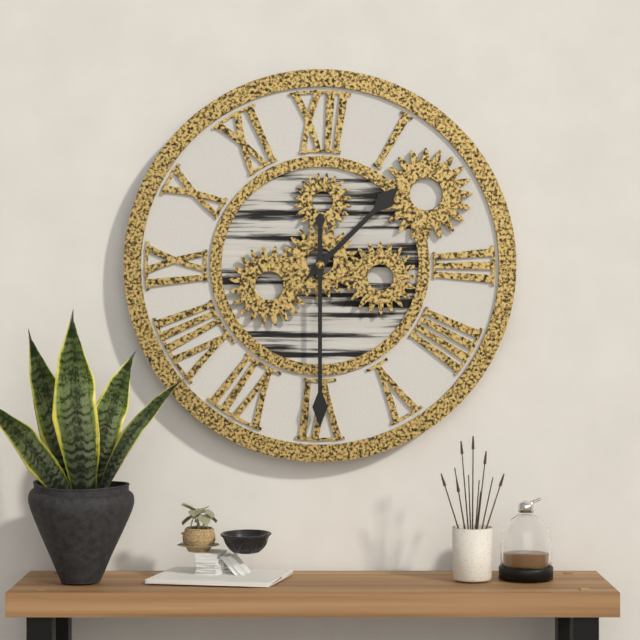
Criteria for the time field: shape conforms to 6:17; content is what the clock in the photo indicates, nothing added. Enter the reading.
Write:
1:30
